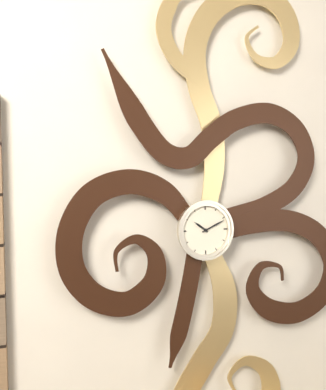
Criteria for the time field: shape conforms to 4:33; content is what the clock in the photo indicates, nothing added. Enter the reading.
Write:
10:11
